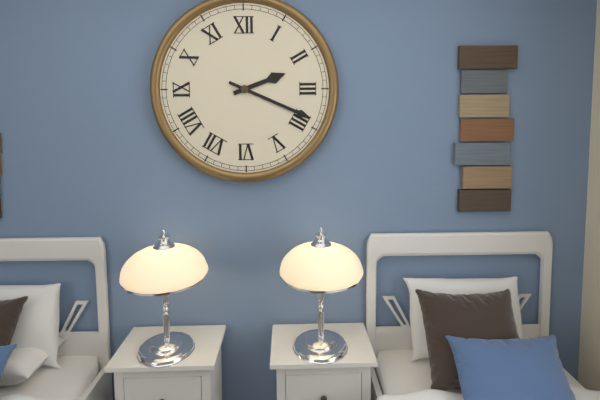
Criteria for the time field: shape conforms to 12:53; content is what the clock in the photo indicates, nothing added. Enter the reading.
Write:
2:19
